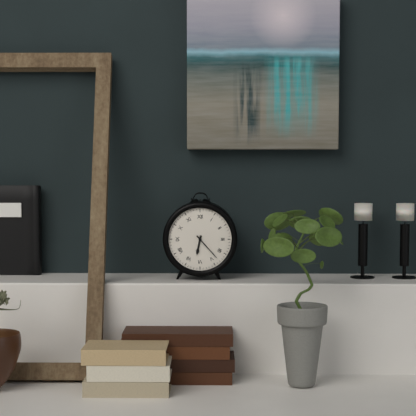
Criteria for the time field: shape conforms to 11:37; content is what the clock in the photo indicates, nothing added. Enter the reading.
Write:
6:23
